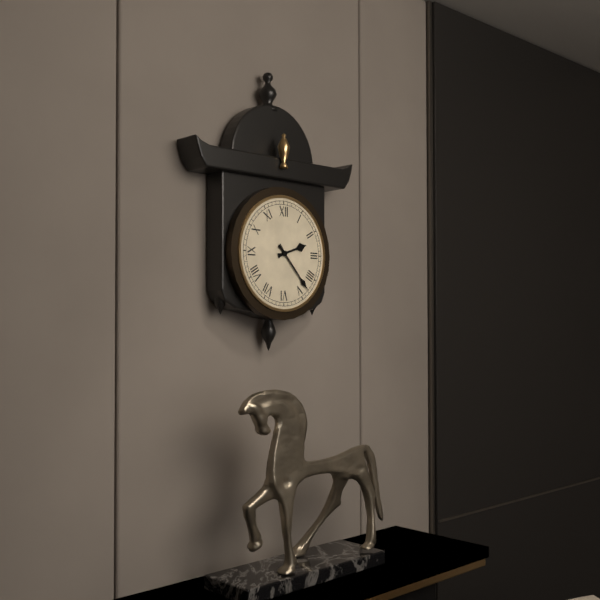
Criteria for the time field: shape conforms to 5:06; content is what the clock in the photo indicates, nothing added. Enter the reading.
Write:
2:23
